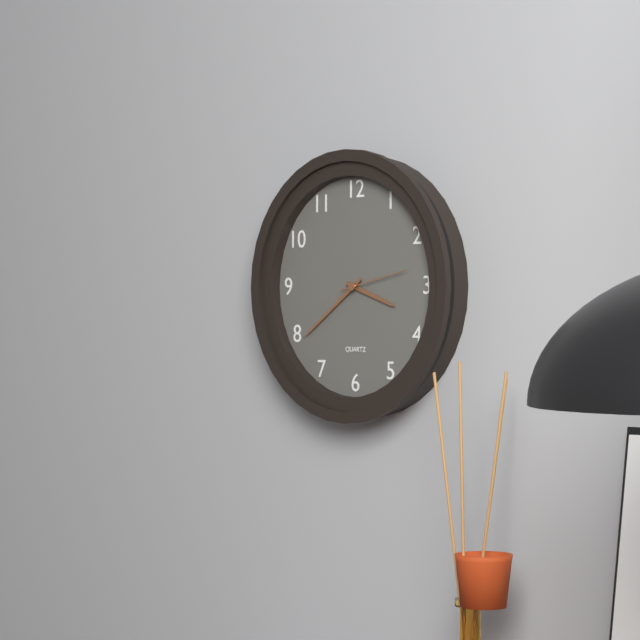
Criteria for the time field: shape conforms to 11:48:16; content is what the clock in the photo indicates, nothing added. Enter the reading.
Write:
3:39:13
